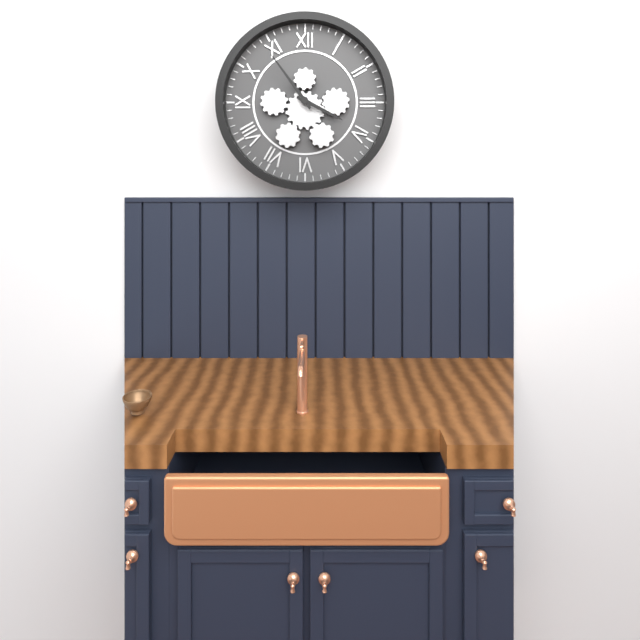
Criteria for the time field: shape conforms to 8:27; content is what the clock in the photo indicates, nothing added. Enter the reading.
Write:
3:54
